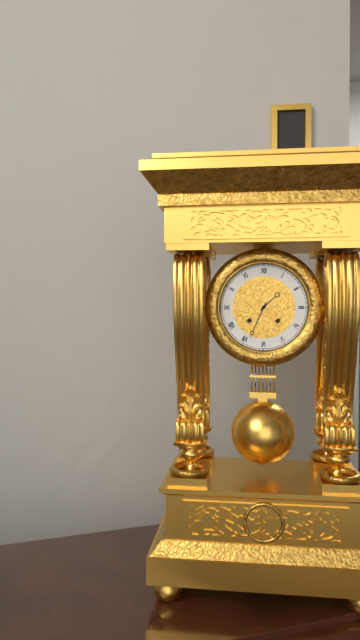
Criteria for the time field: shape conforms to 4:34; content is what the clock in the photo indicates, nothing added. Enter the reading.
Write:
1:34
